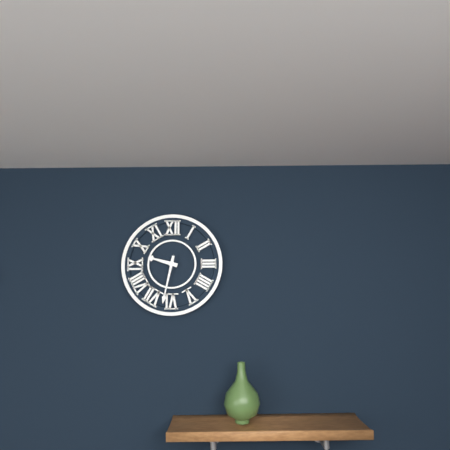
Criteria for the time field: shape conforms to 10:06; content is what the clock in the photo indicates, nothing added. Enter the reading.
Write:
9:32
